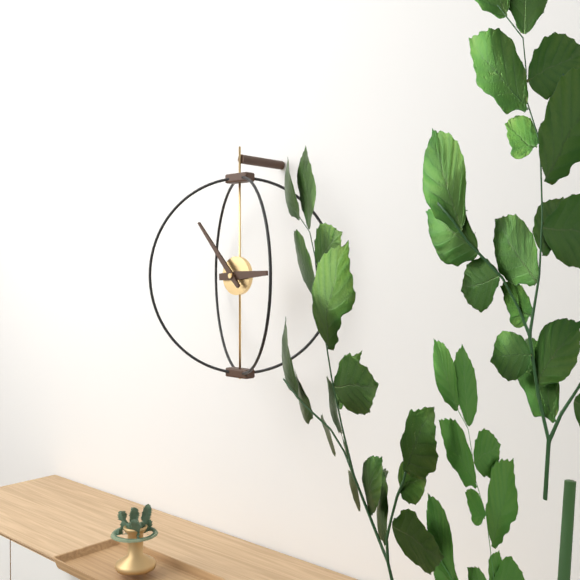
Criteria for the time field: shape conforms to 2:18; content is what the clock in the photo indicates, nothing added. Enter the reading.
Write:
2:53
